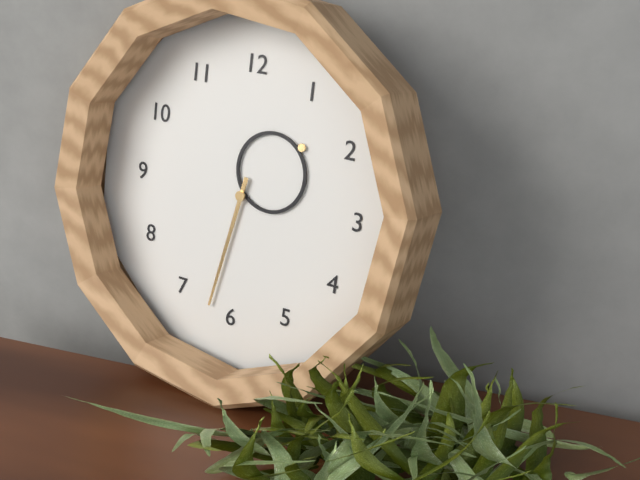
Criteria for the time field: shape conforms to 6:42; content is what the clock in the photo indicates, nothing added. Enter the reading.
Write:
1:32
